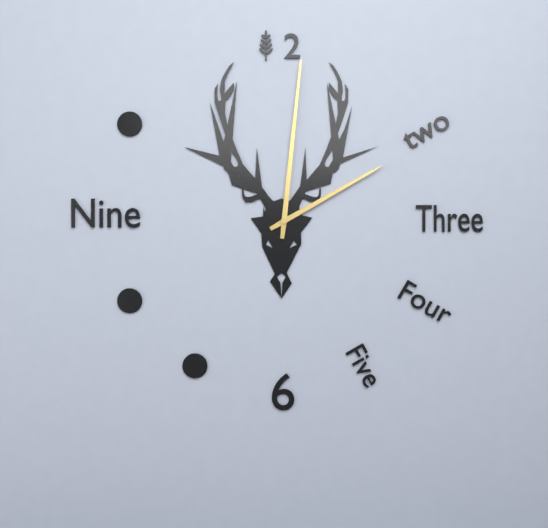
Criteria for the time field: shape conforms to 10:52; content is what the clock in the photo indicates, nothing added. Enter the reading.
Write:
2:01
